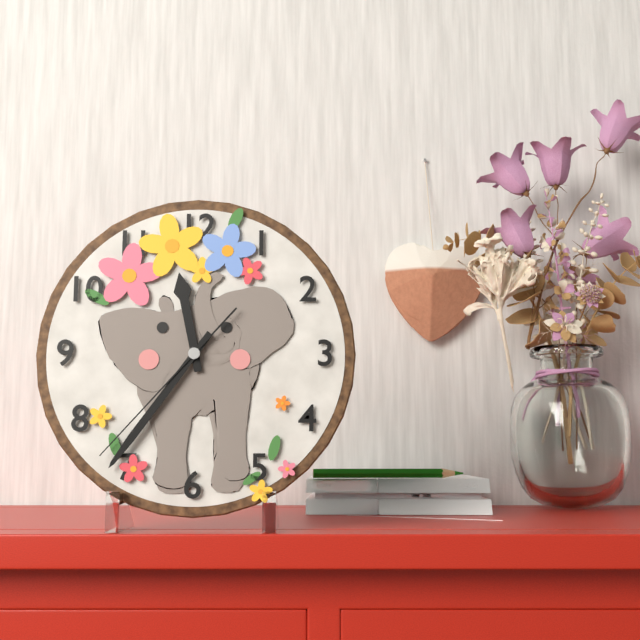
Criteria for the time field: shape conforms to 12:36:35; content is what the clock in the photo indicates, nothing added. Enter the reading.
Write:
11:36:37
